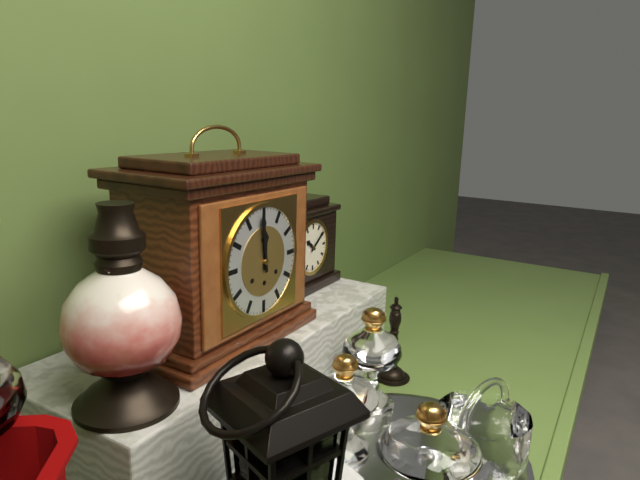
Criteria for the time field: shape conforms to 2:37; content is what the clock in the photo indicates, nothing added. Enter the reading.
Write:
11:59
